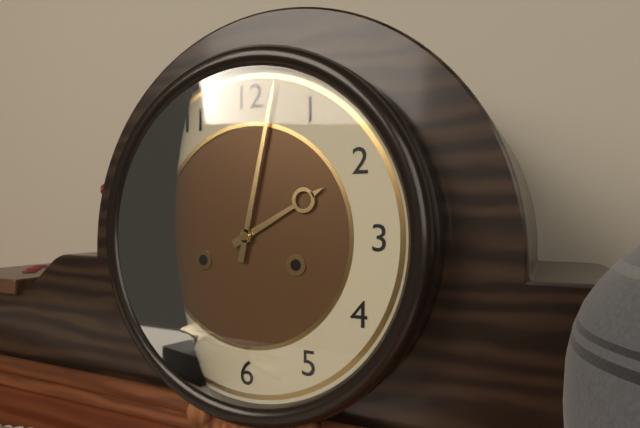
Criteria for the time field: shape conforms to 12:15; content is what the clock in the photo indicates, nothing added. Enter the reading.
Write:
2:02
